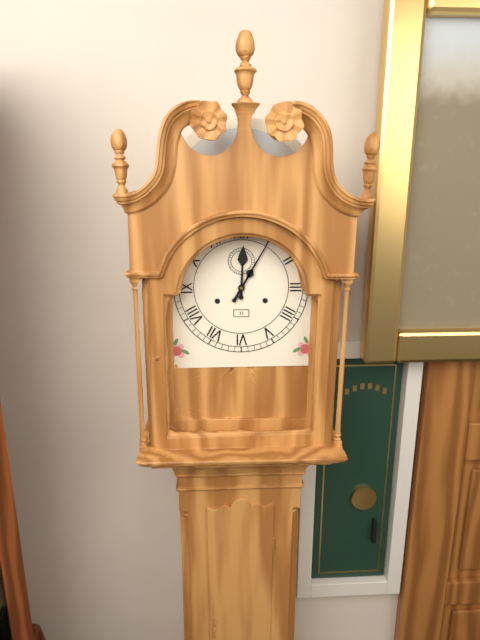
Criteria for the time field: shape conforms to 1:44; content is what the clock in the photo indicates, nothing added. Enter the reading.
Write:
12:05
